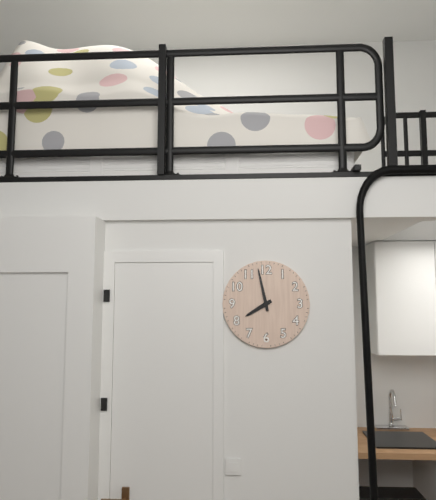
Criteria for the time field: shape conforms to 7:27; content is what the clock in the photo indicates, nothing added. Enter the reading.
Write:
7:58
